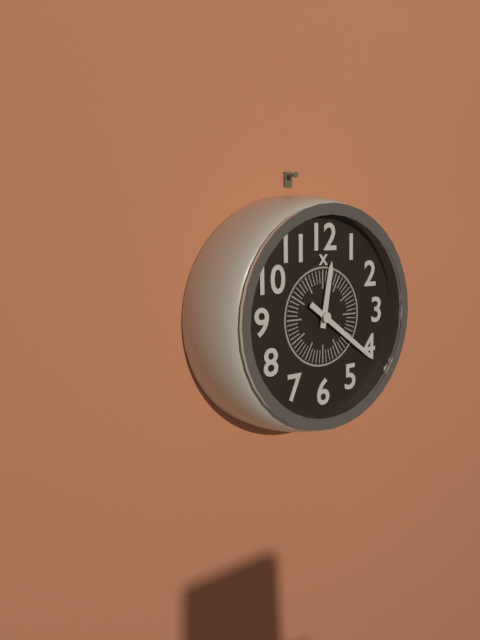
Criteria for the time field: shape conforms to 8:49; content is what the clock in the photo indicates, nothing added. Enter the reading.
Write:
12:21
